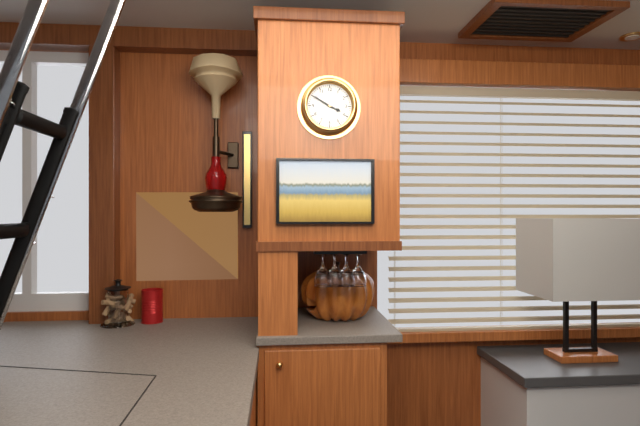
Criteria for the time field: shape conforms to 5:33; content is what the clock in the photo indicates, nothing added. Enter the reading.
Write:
3:50
